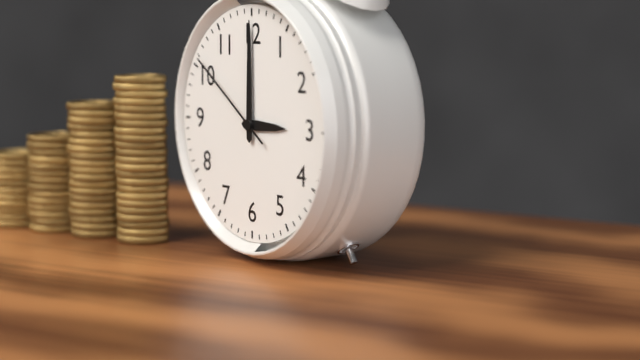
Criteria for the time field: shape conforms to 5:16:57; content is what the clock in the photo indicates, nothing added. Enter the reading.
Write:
3:00:51
